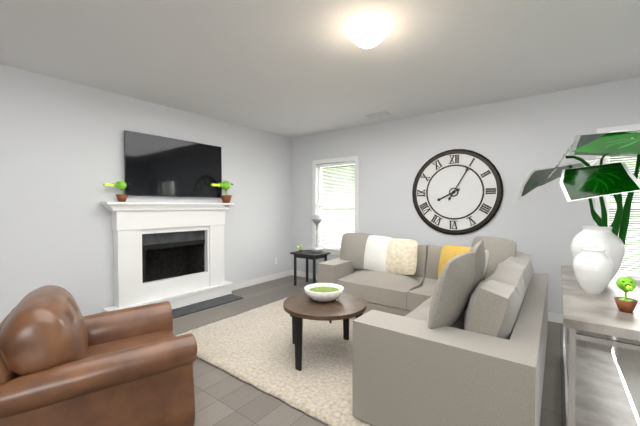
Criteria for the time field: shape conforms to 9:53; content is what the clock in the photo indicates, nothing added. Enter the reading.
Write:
8:05
